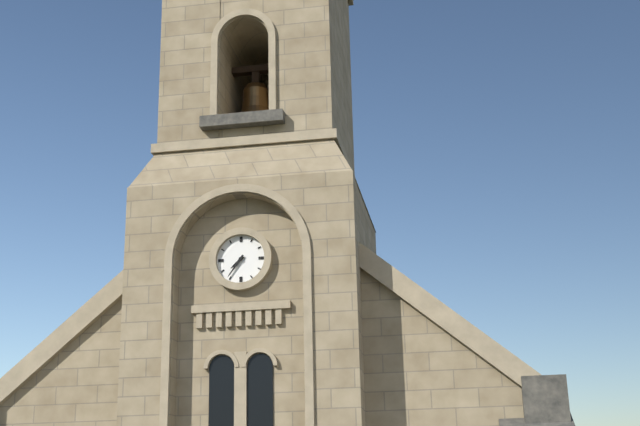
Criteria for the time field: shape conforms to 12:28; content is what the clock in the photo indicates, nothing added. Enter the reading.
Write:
7:36
